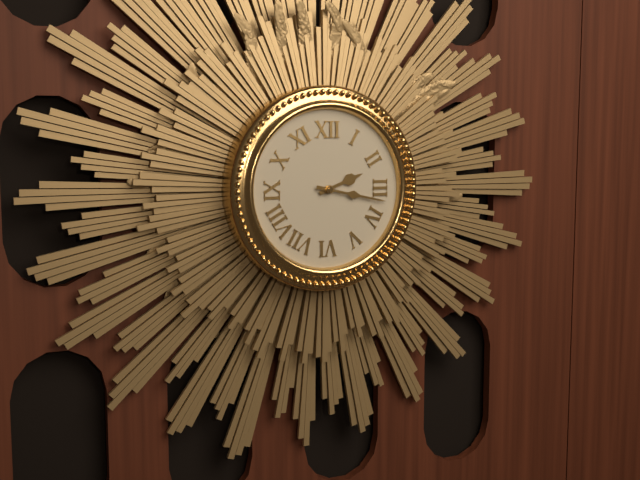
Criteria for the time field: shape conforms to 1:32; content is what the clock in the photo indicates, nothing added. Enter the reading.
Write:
2:17
